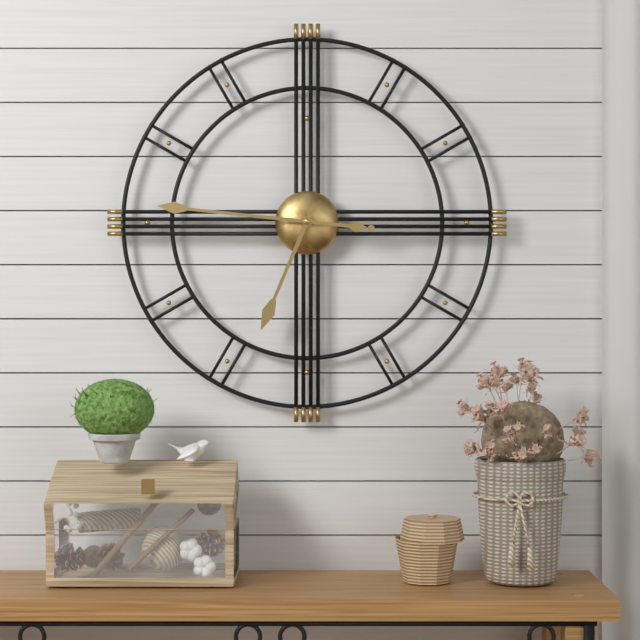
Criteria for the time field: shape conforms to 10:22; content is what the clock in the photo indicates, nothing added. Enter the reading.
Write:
6:46
